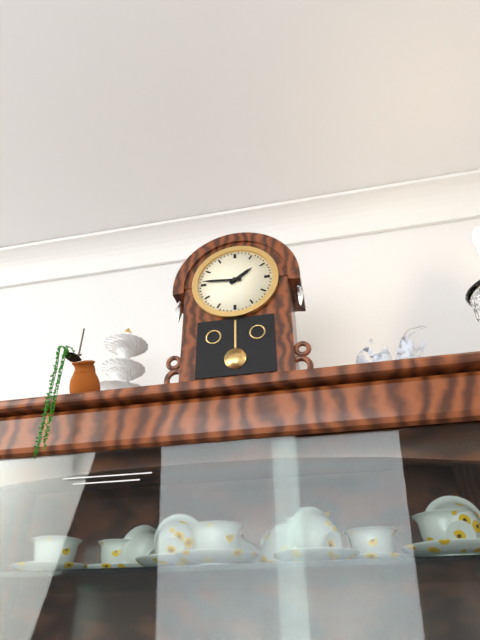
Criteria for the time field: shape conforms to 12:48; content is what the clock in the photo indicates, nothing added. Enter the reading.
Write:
1:46
